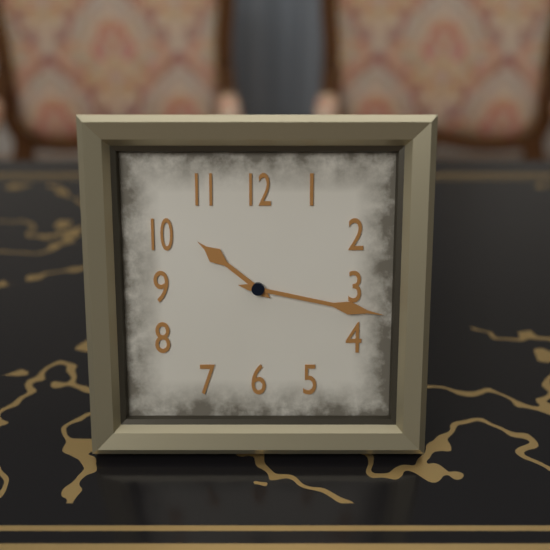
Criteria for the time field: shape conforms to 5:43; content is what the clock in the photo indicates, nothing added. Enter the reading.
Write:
10:17
